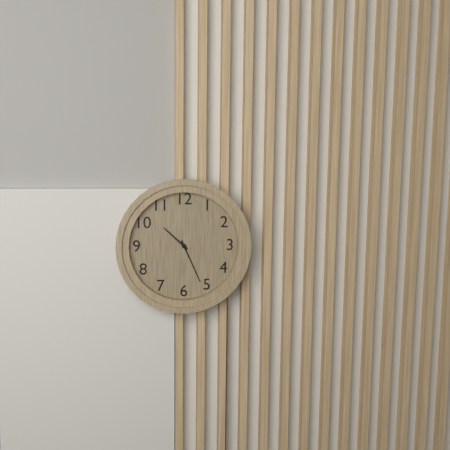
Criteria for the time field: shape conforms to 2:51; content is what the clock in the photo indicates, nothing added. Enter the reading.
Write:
10:26
